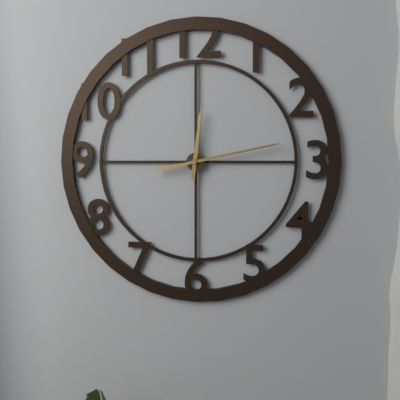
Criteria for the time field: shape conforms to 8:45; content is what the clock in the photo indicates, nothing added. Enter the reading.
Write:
12:13
